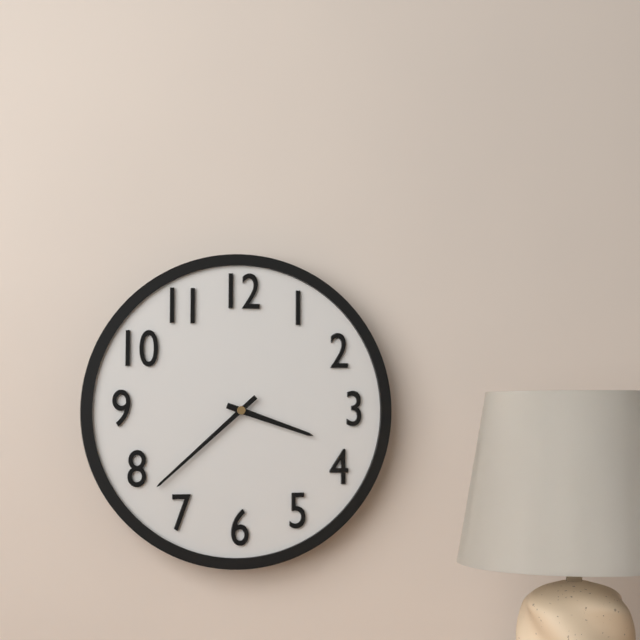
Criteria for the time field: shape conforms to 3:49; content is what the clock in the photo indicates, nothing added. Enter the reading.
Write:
3:38
